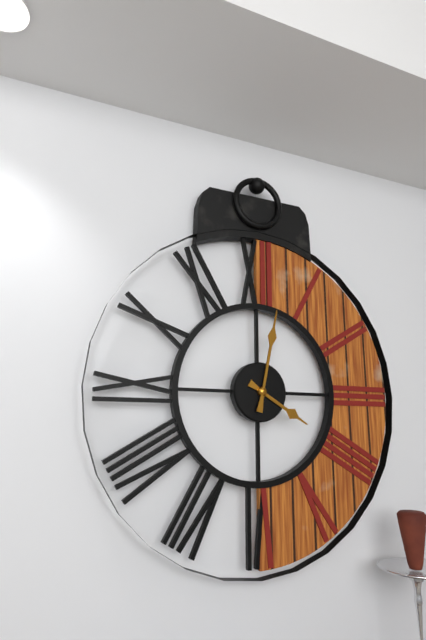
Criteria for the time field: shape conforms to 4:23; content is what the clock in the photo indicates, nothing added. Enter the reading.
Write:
4:02
